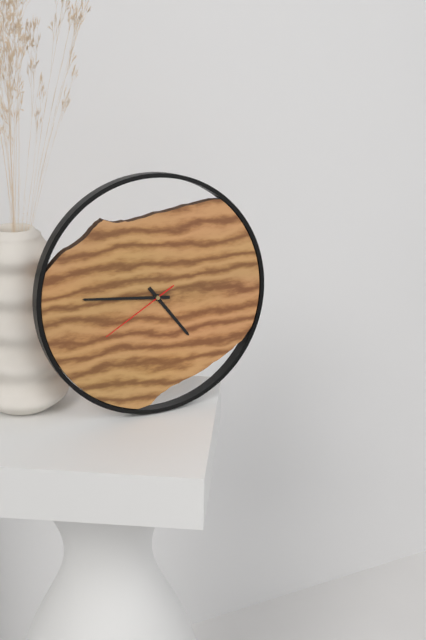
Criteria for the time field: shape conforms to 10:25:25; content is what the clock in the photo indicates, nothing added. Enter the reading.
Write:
4:46:40
